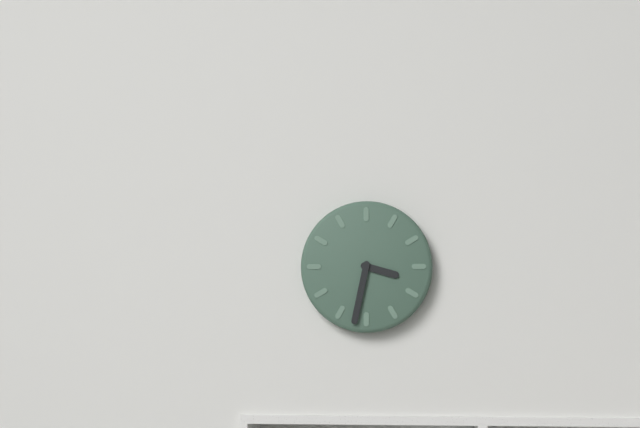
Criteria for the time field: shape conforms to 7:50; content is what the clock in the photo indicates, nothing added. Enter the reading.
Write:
3:32
